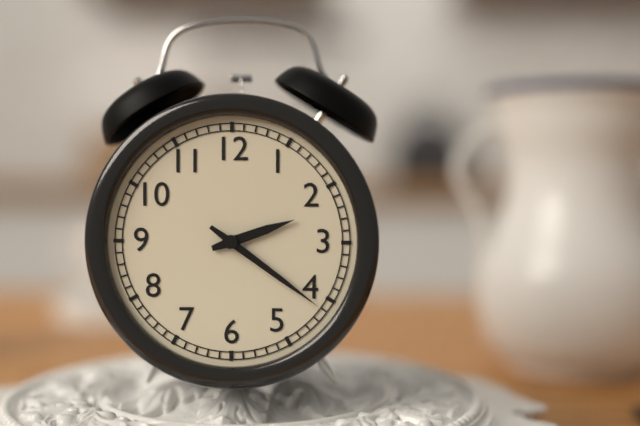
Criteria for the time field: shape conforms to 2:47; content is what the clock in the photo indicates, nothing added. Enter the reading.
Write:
2:21
